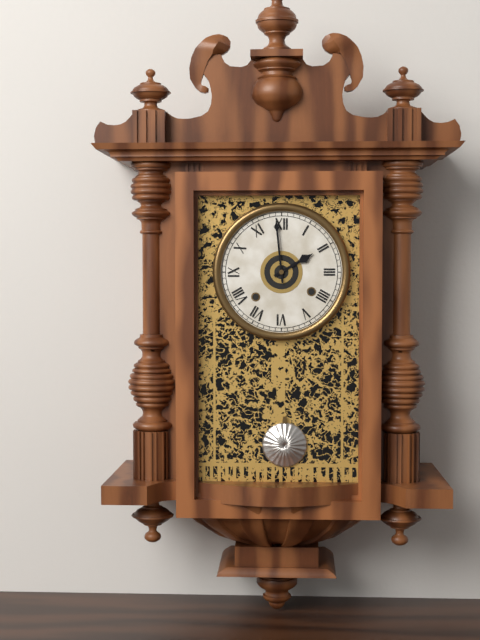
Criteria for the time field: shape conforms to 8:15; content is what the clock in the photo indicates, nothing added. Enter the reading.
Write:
1:59
